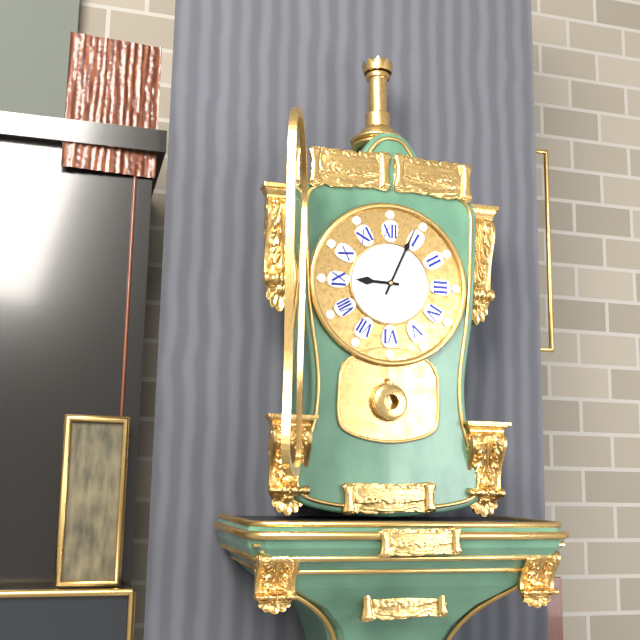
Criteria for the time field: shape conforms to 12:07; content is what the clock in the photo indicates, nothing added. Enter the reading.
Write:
9:04
